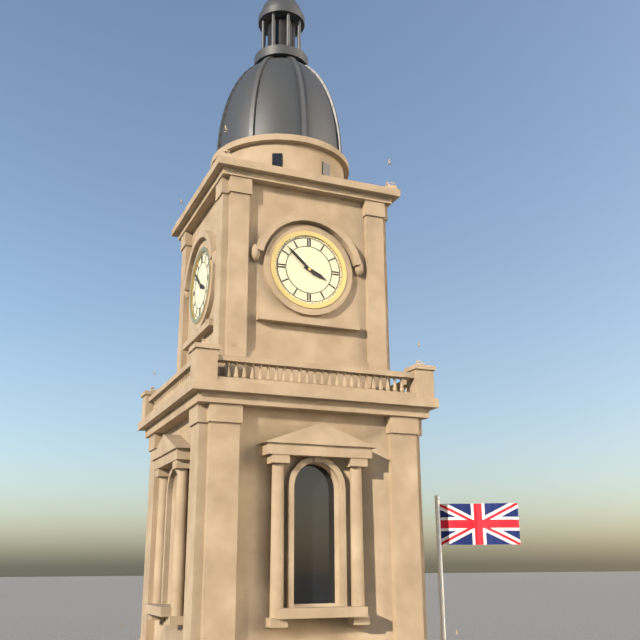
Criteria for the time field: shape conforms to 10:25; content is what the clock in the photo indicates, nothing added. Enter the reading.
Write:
3:52
